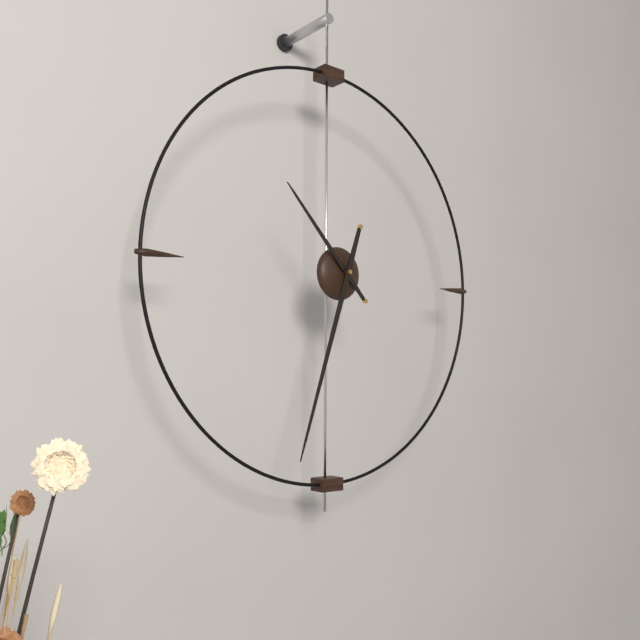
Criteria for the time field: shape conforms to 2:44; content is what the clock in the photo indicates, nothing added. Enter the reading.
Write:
10:33
